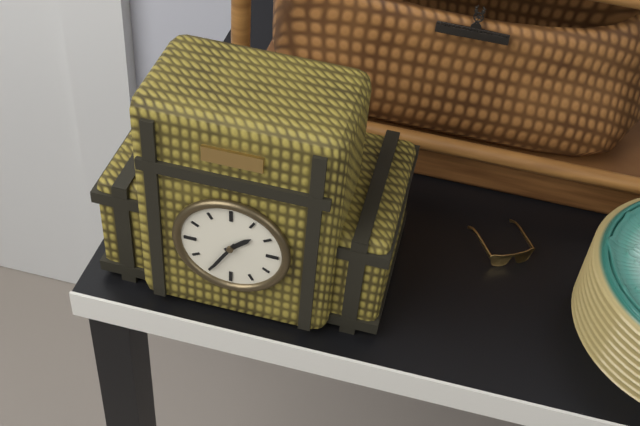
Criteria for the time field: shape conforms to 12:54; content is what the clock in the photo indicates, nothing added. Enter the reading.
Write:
1:35
